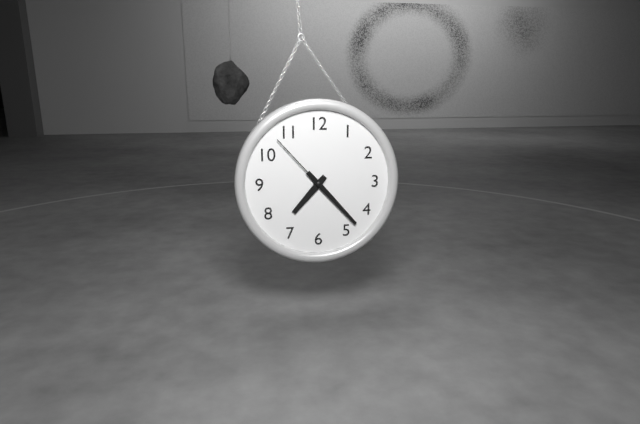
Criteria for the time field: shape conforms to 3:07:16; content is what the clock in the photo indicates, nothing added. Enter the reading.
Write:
7:23:53
